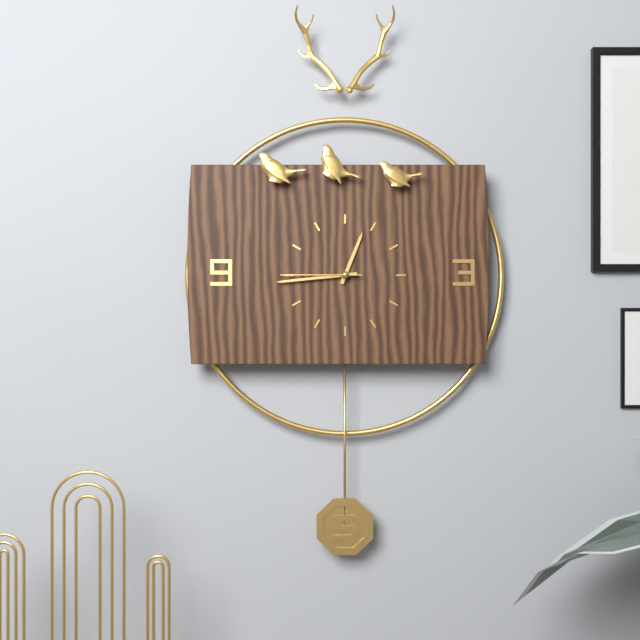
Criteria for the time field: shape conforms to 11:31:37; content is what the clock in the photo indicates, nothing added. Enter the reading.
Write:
12:44:45
